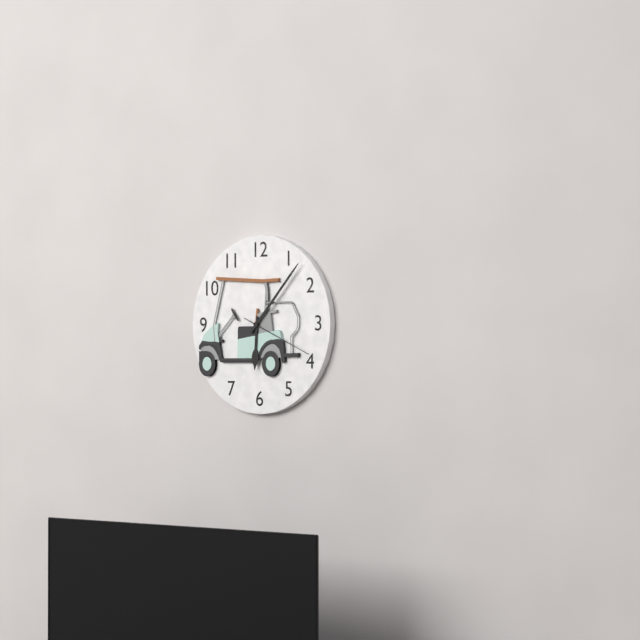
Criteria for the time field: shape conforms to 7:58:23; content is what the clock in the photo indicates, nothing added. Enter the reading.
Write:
6:07:19
